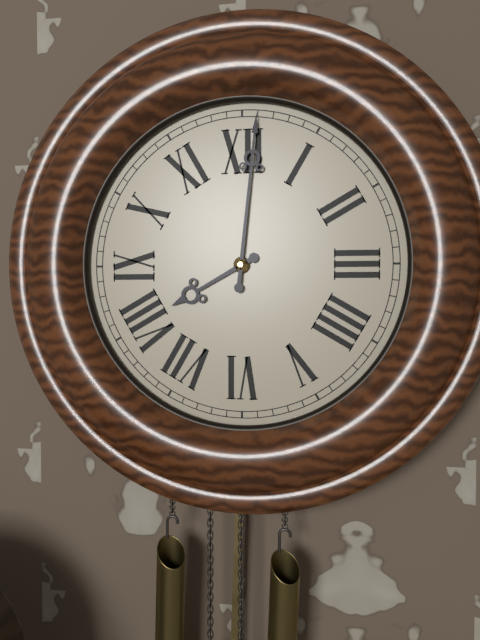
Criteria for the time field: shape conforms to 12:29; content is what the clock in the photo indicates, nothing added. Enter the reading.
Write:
8:01
